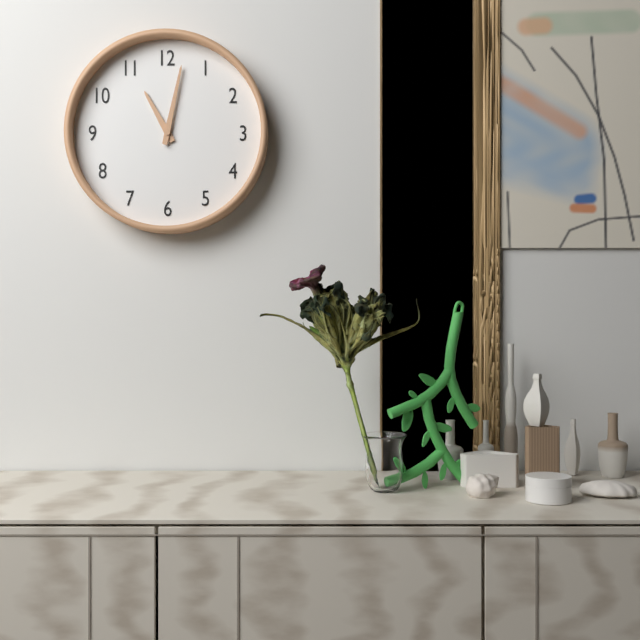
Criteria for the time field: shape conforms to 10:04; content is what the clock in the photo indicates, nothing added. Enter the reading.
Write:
11:02
